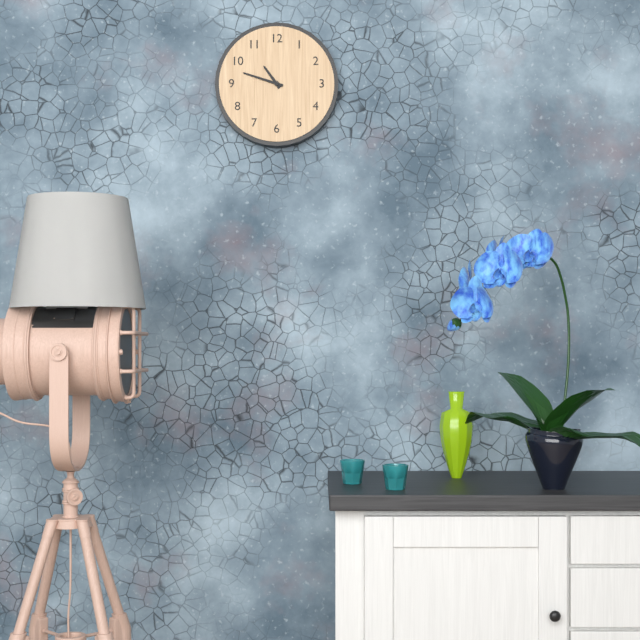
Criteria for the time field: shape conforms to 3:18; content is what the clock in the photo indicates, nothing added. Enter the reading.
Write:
10:48
